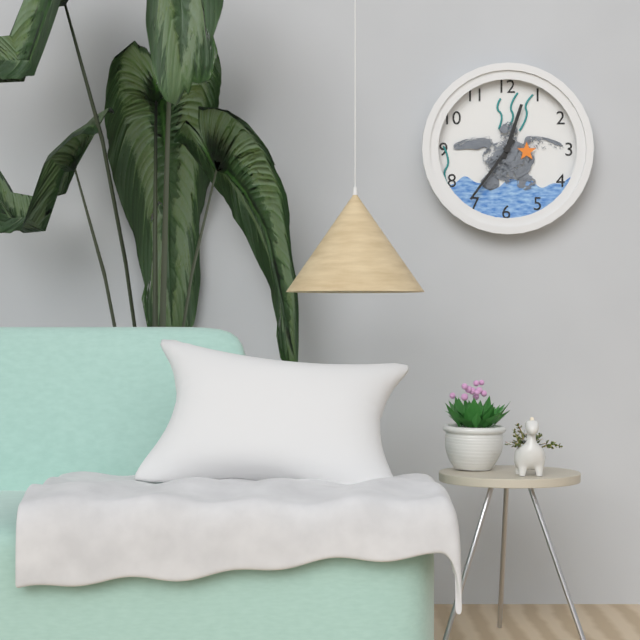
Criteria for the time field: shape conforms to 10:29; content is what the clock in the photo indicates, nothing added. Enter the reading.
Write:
12:36
